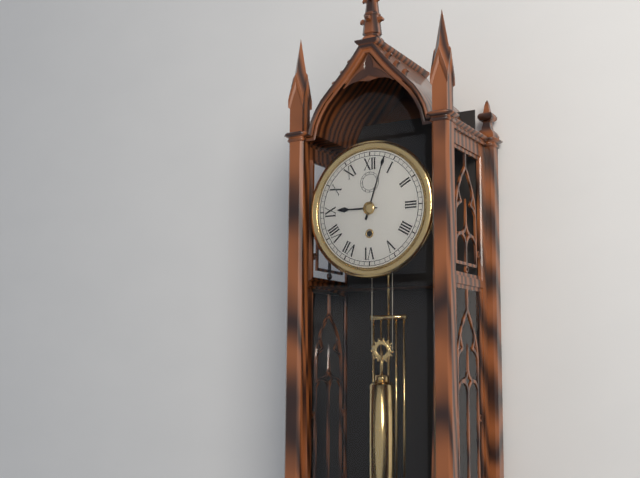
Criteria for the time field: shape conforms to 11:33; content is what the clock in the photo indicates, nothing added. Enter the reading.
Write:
9:03
